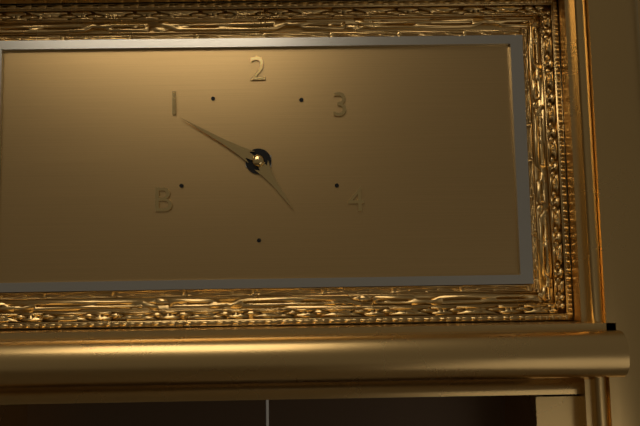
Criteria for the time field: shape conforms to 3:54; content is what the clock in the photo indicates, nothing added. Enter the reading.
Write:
4:50
